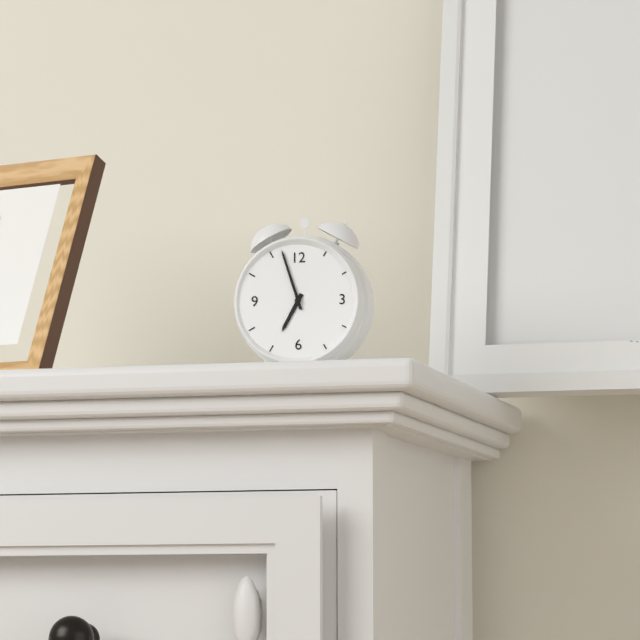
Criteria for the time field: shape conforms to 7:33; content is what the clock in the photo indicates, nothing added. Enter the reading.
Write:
6:57
